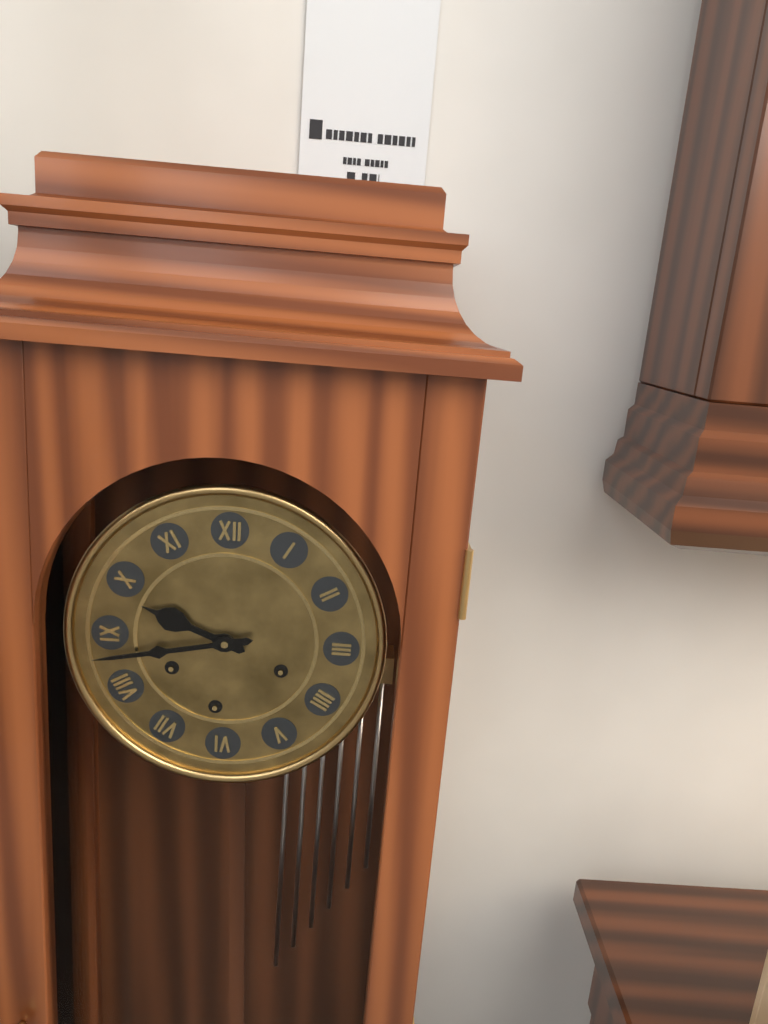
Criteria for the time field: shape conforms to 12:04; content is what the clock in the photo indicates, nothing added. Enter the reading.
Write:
9:43
